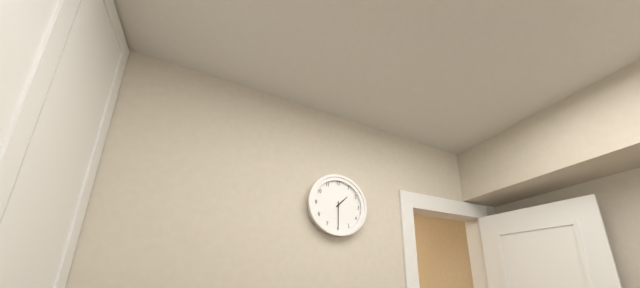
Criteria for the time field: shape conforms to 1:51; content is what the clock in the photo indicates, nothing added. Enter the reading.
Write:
1:30
